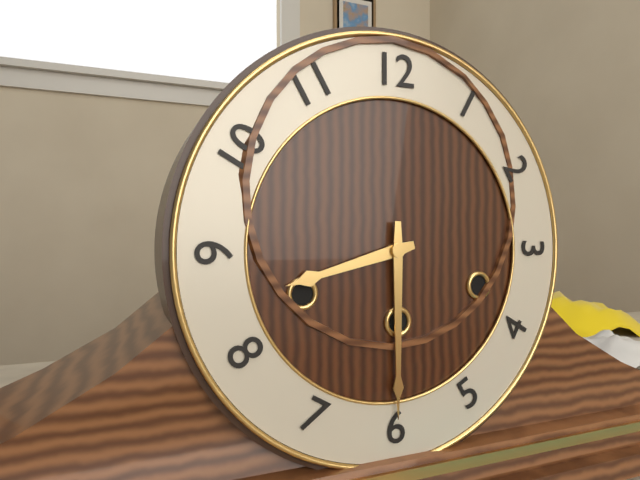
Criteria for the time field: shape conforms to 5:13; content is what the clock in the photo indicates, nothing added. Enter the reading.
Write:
8:30
